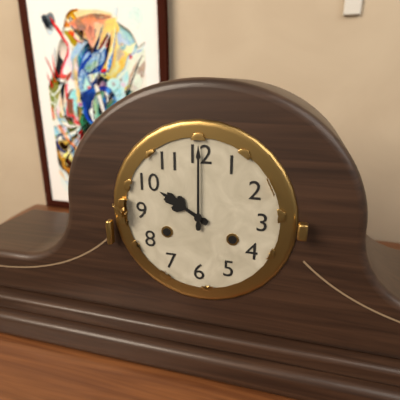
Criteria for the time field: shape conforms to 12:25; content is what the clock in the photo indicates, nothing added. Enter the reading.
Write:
10:00
